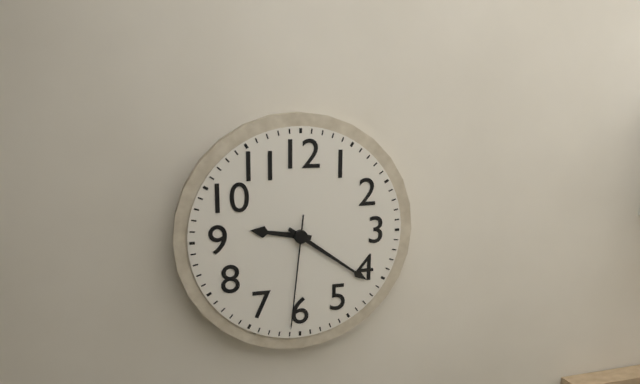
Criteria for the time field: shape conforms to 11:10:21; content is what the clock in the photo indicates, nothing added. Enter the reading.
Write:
9:21:31
